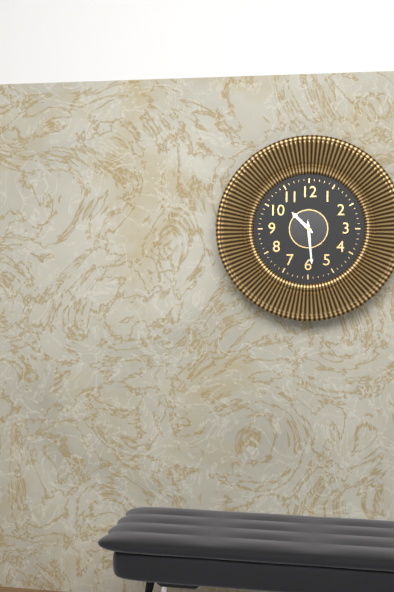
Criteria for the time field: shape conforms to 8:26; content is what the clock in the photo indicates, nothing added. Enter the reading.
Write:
10:29
